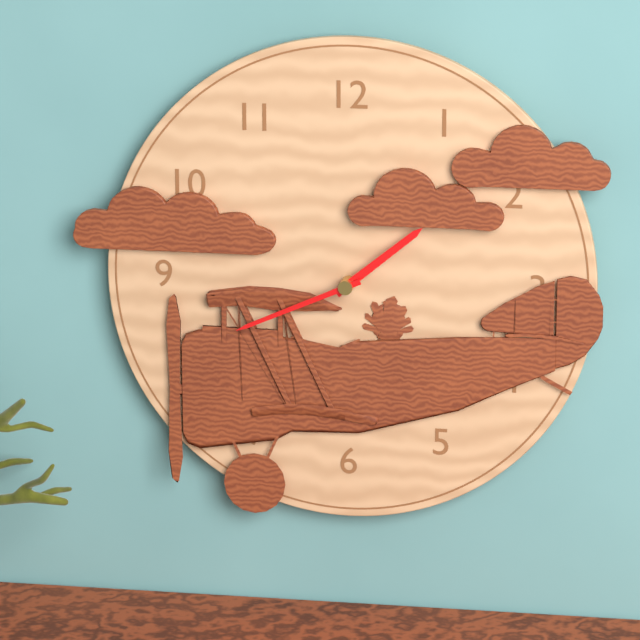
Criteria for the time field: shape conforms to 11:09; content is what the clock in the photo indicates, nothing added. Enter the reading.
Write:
1:41
